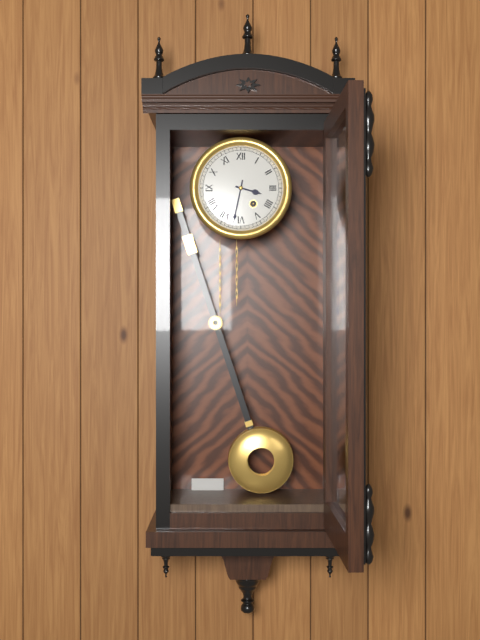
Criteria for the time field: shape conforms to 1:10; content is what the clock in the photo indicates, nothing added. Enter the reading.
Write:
3:32
